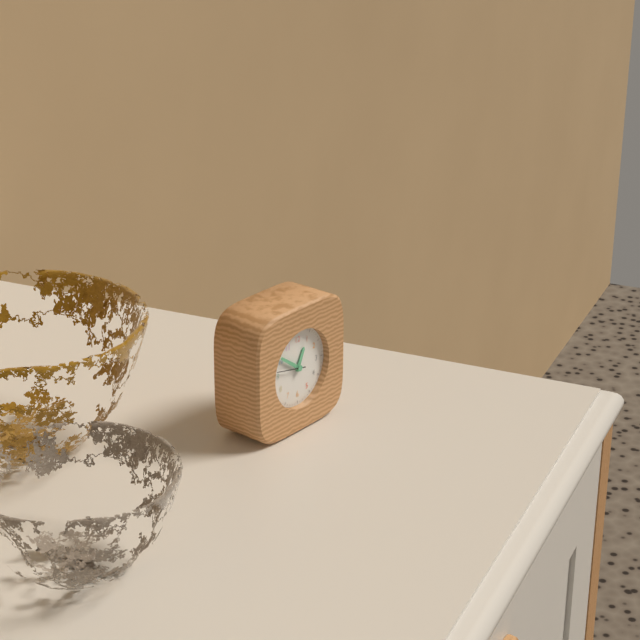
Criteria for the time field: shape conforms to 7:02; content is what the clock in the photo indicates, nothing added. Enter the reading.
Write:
12:51
